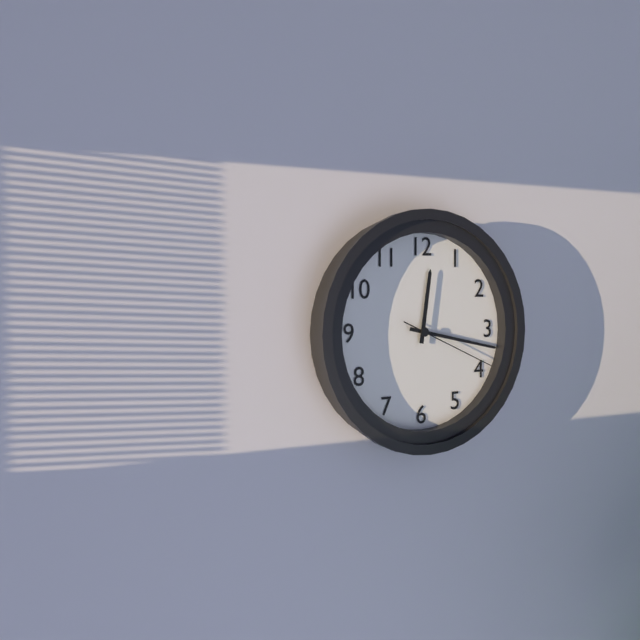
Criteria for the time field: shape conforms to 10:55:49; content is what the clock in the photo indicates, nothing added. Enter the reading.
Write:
12:17:19
